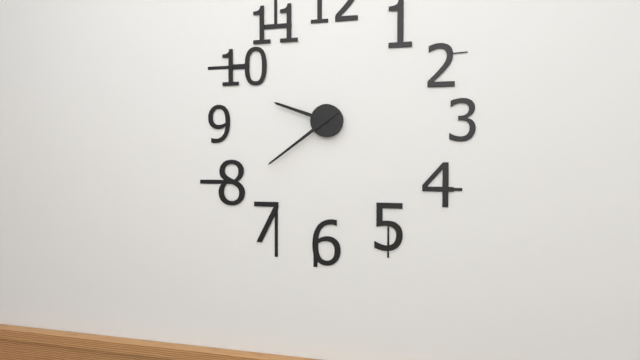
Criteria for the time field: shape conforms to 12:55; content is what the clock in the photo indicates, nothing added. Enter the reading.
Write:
9:39
